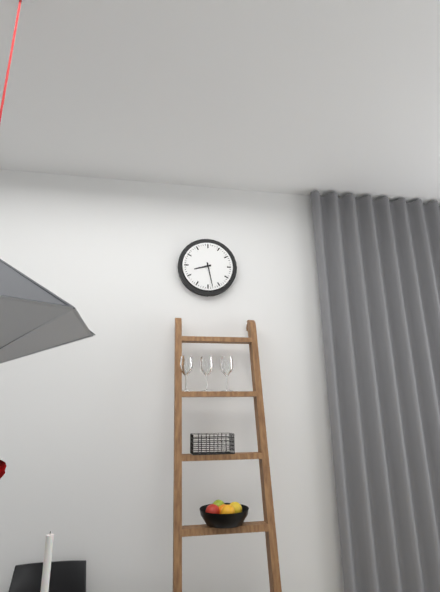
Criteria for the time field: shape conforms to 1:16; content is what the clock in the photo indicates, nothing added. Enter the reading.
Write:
8:28
